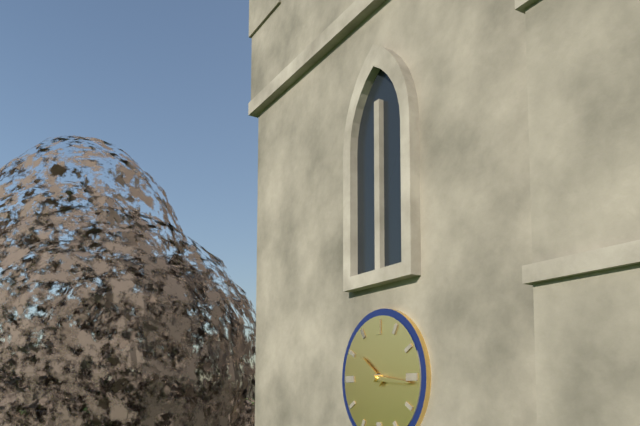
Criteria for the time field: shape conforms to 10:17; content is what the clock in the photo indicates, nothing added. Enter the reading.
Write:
10:16
